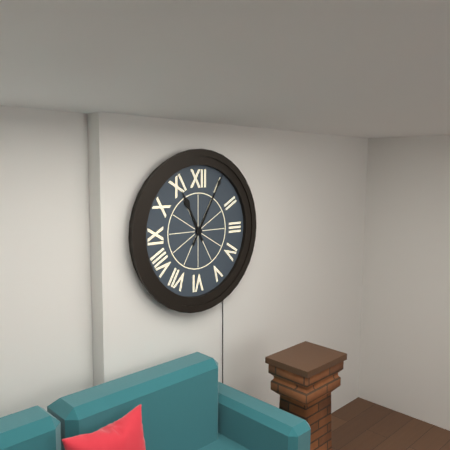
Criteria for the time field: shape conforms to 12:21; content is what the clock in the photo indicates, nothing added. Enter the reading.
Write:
11:05
